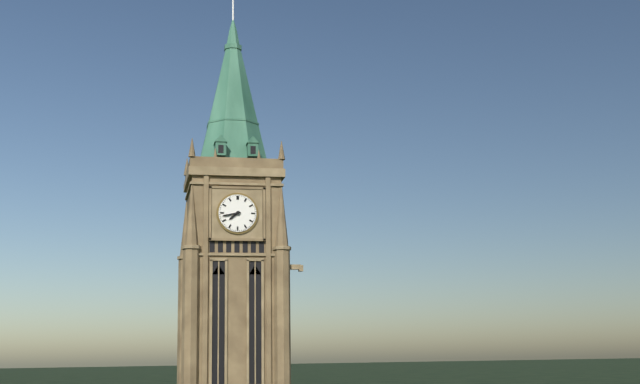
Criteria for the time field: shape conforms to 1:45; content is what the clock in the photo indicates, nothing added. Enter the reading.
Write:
7:43
